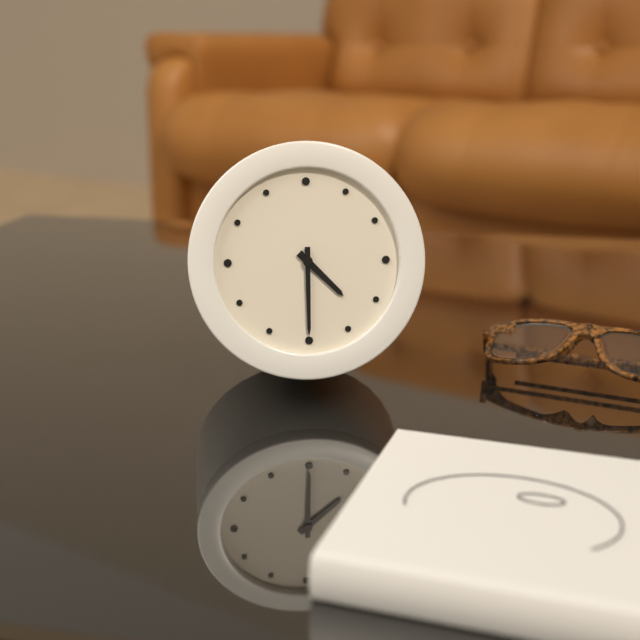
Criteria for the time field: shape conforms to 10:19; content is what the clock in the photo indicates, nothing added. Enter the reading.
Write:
4:30
